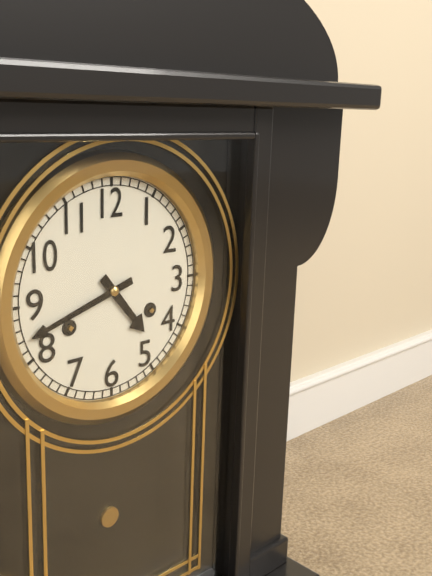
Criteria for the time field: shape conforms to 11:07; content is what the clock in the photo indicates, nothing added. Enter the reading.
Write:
4:42
